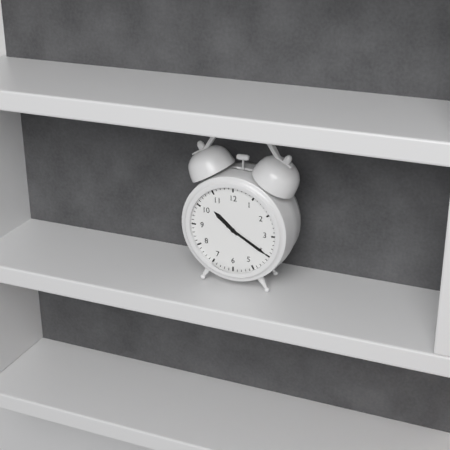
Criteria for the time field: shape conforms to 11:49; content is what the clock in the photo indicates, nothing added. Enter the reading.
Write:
10:20
